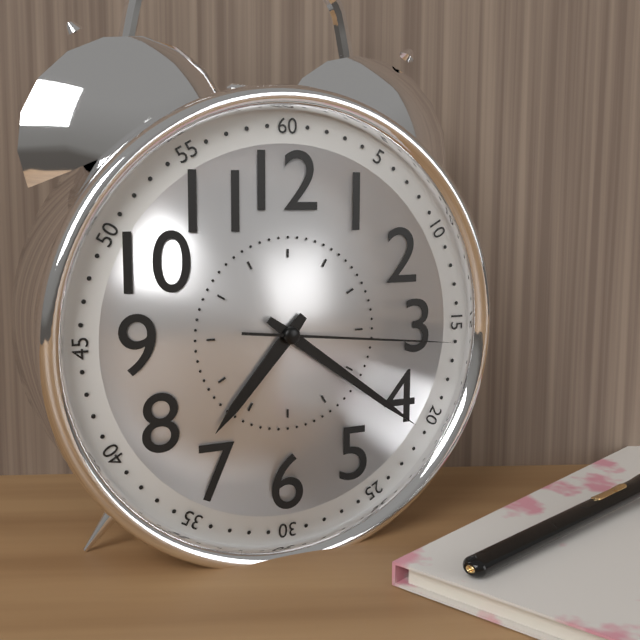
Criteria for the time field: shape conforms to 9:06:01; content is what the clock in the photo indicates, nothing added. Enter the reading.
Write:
7:21:16
